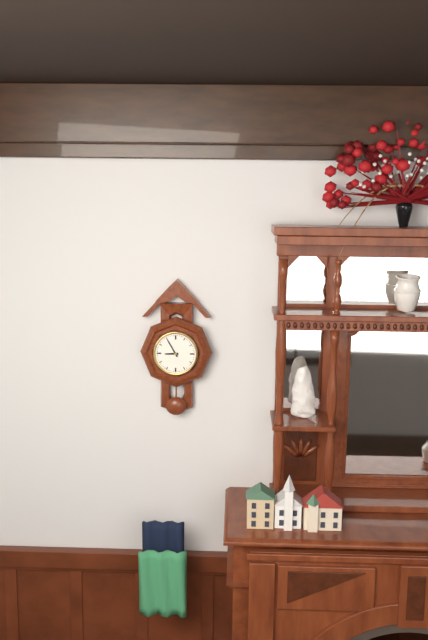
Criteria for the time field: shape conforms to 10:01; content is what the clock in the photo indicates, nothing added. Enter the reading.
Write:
8:55
